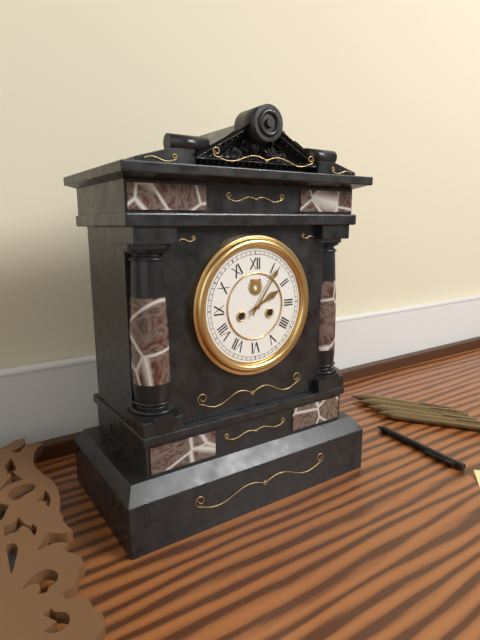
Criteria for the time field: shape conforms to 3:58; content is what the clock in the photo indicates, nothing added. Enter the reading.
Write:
2:06
